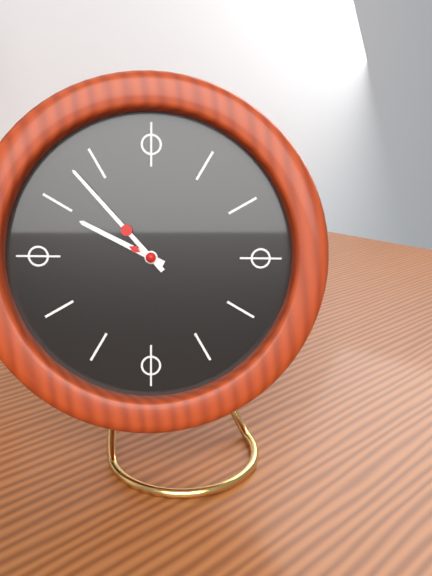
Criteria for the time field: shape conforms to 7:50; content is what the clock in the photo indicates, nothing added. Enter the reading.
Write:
9:53
